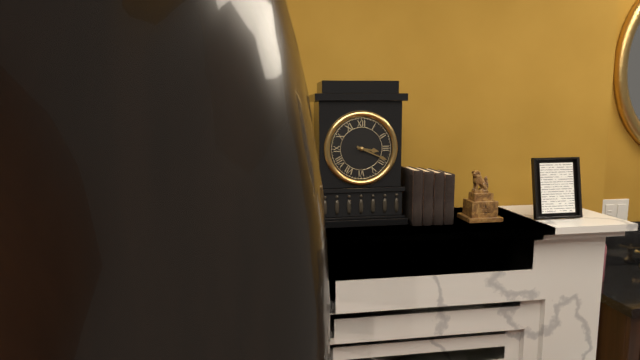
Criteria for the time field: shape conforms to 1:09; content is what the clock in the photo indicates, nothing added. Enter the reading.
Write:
3:19
